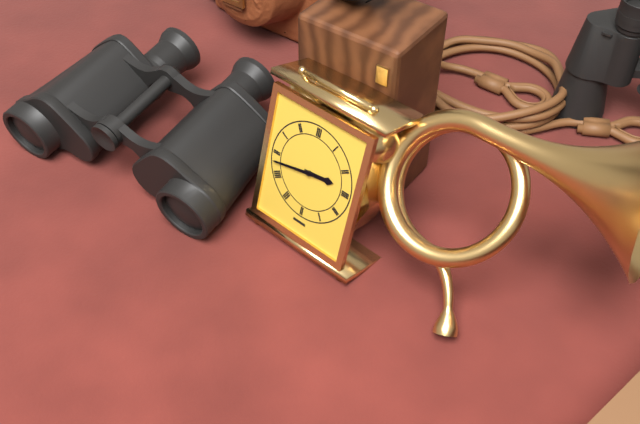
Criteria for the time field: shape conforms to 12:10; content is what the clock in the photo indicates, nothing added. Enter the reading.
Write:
2:43
